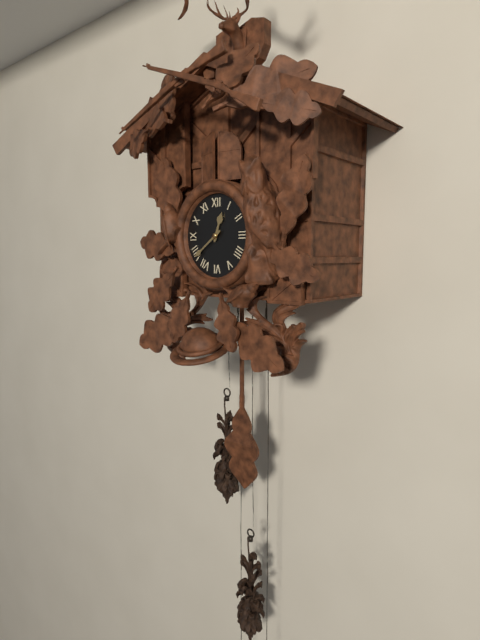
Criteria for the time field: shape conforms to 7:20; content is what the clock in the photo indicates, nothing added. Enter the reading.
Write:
12:39
